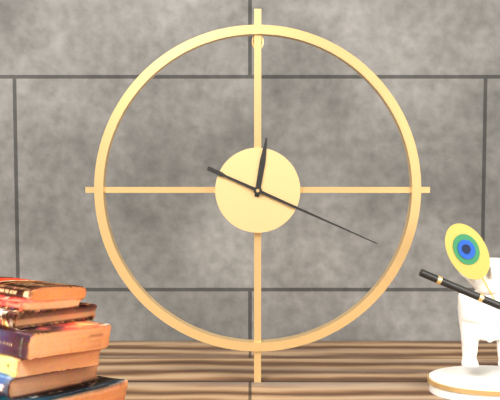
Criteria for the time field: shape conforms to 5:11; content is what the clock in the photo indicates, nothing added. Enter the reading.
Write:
12:19
